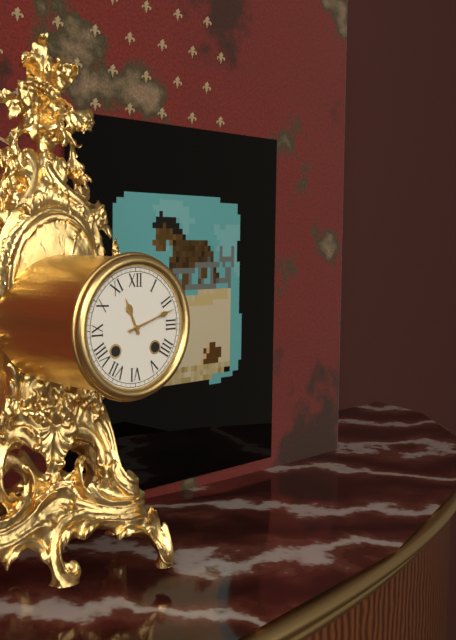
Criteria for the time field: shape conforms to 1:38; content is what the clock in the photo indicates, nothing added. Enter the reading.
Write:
11:12
